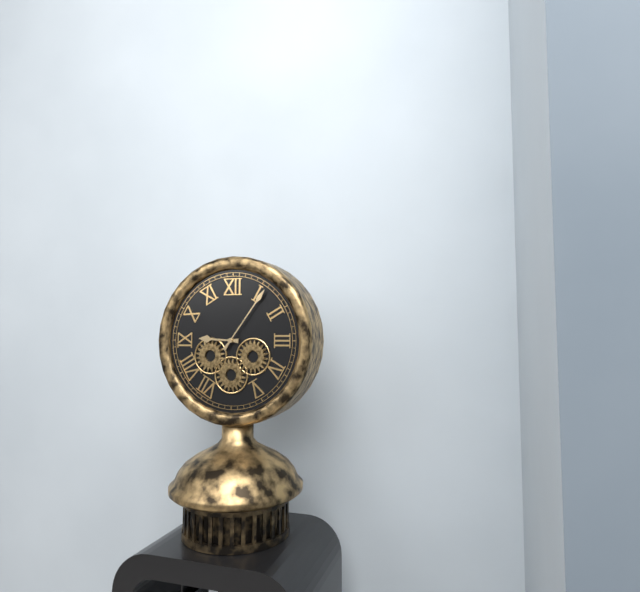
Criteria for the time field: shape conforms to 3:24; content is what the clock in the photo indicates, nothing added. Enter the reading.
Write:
9:06
